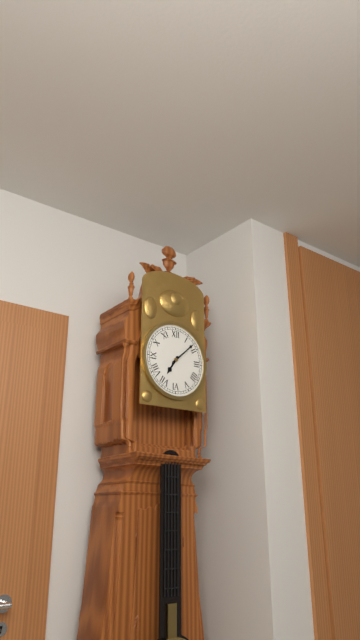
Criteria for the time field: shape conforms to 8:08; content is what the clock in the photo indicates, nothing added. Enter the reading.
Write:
7:08
